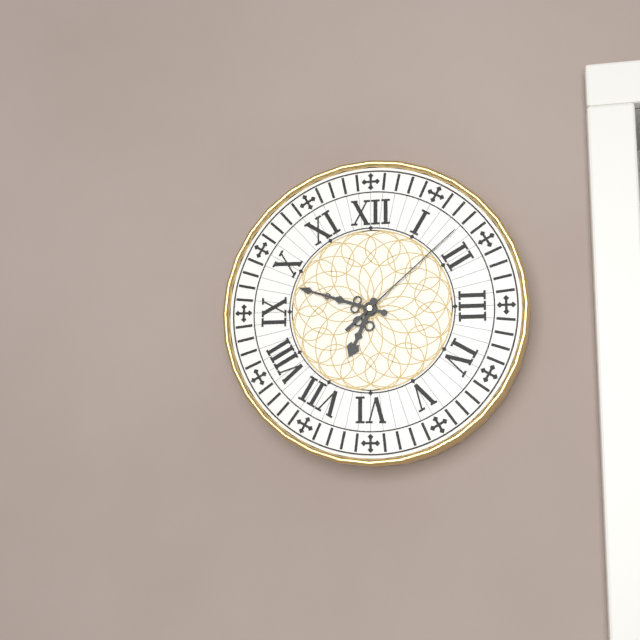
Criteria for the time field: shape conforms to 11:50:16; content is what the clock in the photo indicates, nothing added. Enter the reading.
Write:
6:48:08
